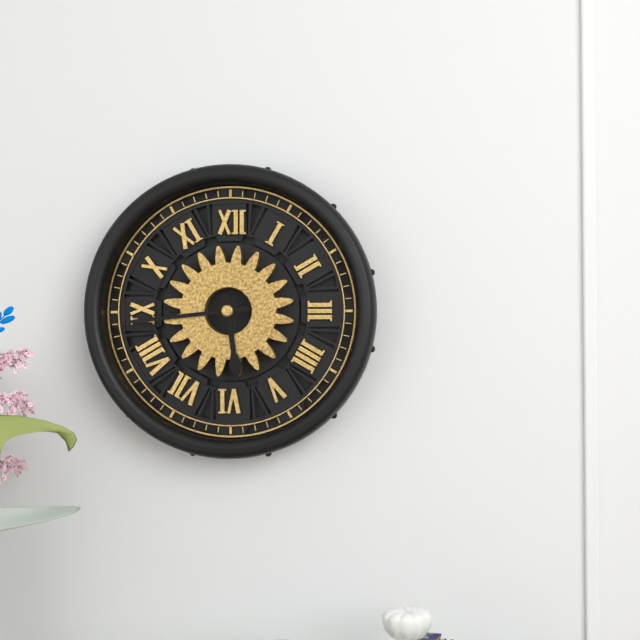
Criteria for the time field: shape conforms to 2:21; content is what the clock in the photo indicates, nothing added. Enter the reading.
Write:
5:44
